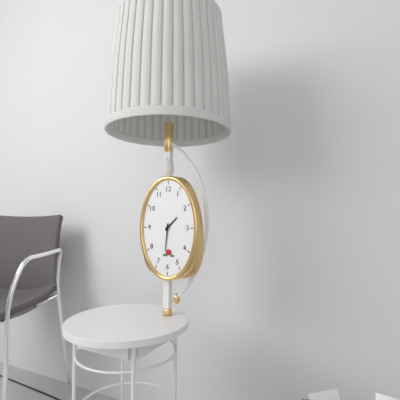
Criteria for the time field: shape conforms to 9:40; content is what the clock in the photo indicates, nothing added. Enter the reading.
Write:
1:31
